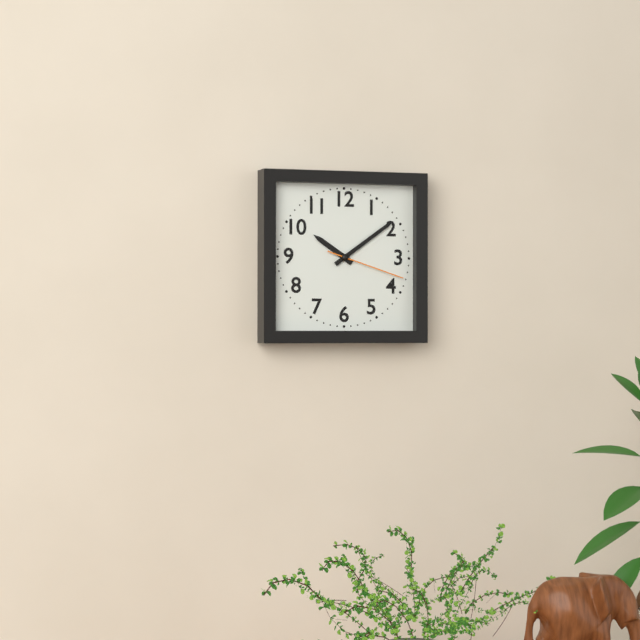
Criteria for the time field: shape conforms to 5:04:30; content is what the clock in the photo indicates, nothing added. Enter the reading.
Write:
10:09:18
